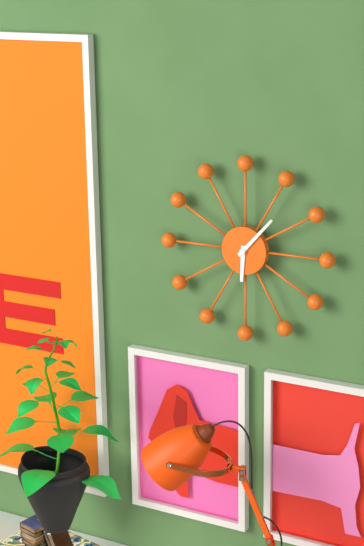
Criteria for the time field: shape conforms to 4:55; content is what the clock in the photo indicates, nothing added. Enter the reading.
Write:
6:07
